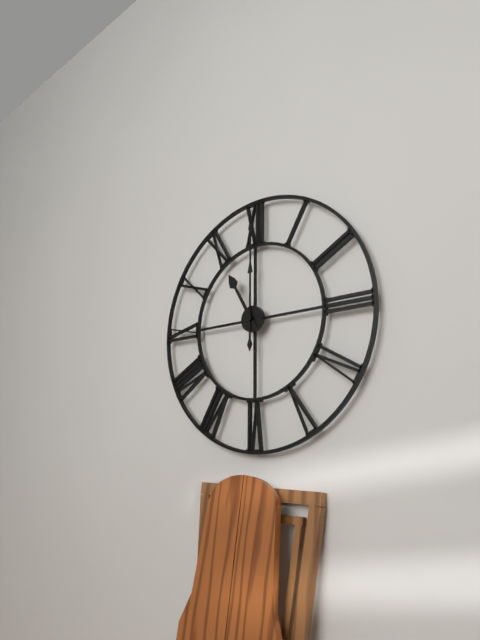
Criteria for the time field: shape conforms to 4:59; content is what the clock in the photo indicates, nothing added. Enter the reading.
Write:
11:00
